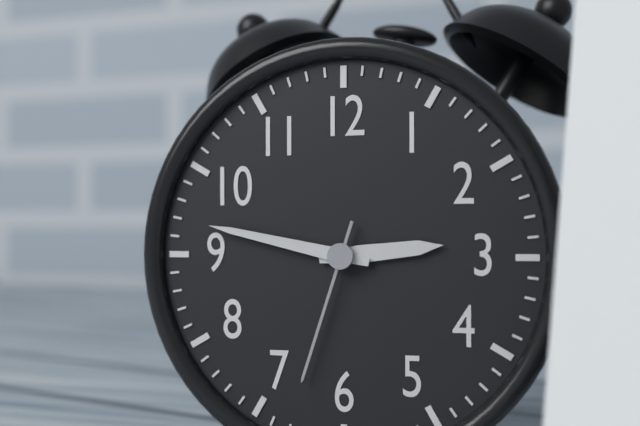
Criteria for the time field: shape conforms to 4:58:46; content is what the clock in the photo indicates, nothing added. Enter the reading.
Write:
2:47:33
